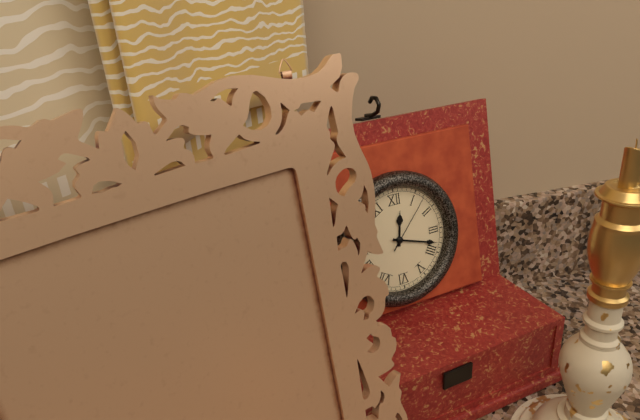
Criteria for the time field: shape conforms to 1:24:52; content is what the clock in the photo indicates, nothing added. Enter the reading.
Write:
12:18:07
